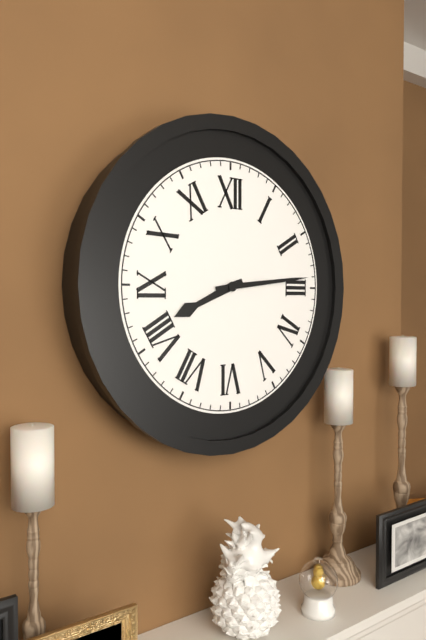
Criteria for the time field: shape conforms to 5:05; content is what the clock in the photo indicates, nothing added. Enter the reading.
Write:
8:14
